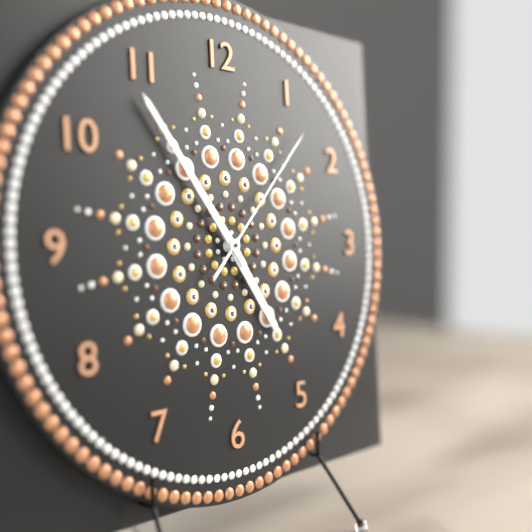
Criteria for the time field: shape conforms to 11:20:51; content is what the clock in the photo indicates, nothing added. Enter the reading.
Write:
4:54:07
